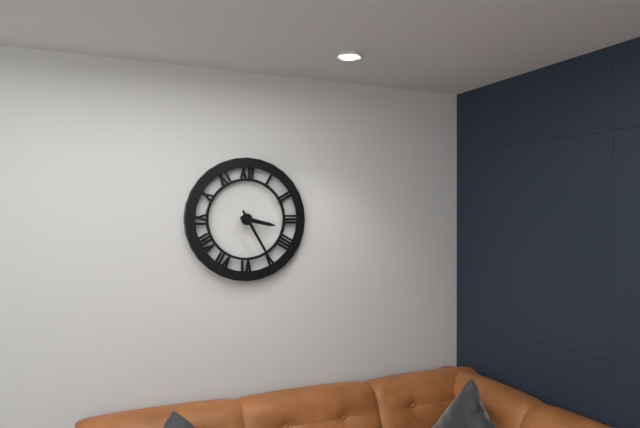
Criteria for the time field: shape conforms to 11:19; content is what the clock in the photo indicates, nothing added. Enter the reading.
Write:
3:25
